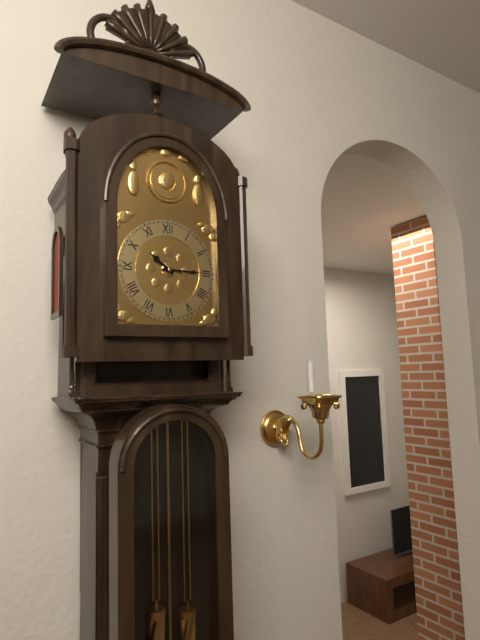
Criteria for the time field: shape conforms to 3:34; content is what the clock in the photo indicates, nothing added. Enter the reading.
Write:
10:15
